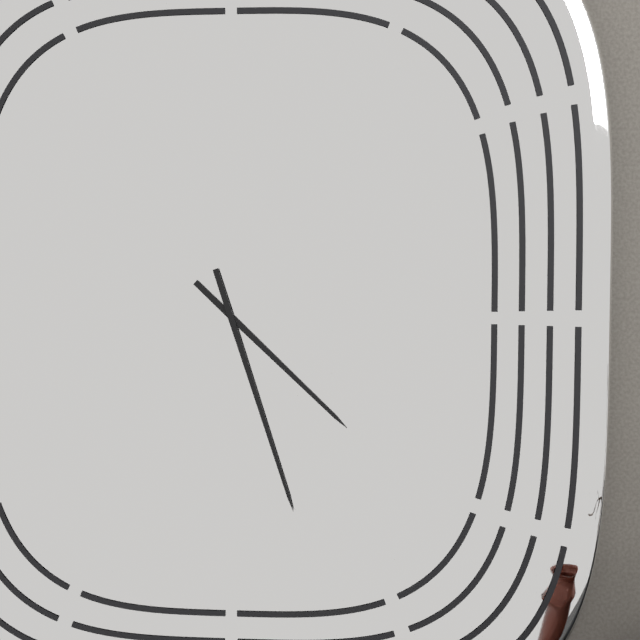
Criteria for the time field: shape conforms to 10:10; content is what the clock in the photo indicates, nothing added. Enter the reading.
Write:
4:27
